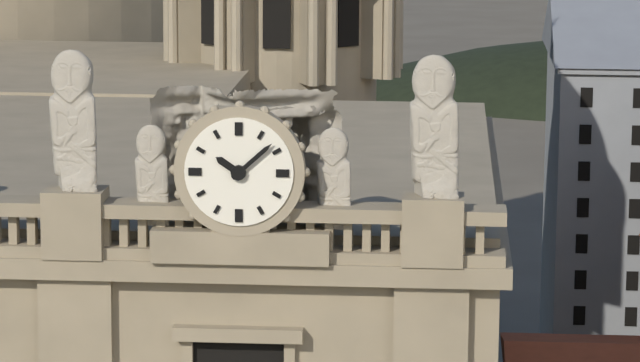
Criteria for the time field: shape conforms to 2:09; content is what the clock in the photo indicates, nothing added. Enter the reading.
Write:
10:08
